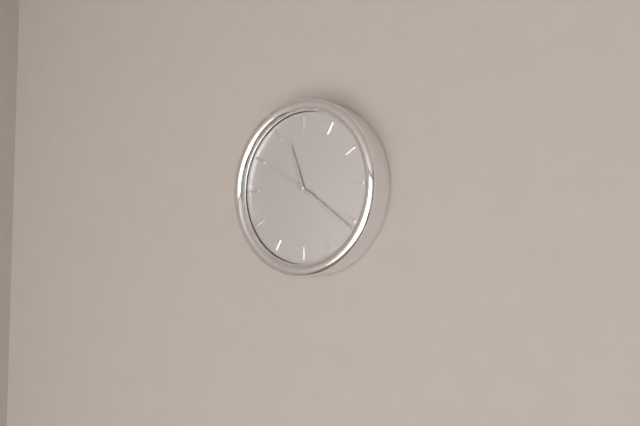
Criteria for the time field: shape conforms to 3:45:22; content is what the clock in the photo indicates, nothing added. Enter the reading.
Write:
11:21:50
